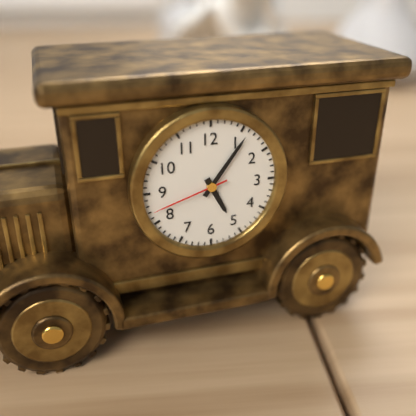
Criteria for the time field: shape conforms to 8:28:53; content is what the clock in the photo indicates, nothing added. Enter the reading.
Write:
5:06:42
